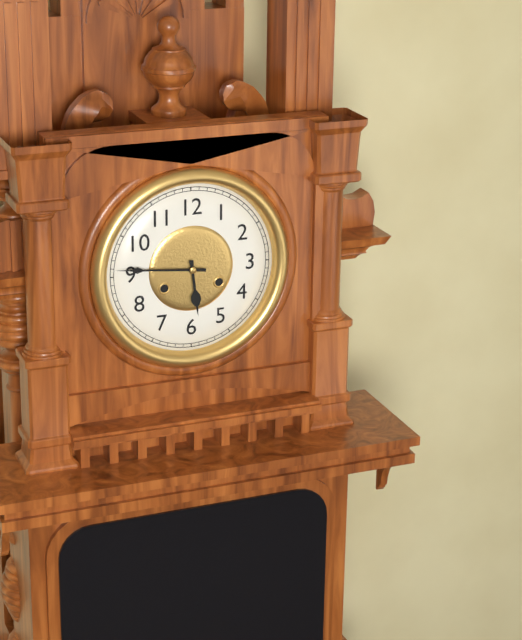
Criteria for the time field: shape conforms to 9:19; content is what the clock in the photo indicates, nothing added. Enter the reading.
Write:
5:46
